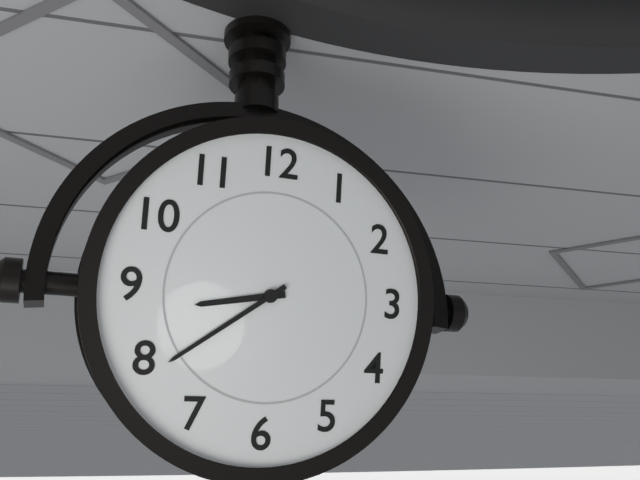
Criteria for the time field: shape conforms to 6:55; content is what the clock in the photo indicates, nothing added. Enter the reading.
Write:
8:39
